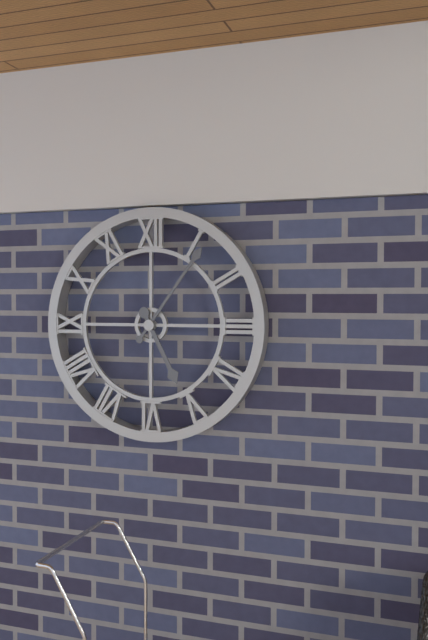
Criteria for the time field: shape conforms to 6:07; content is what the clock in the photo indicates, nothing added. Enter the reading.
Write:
5:06
